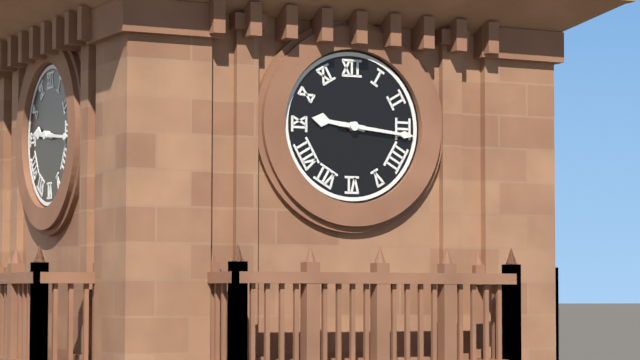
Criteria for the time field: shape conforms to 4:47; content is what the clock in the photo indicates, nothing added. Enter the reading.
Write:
9:16
